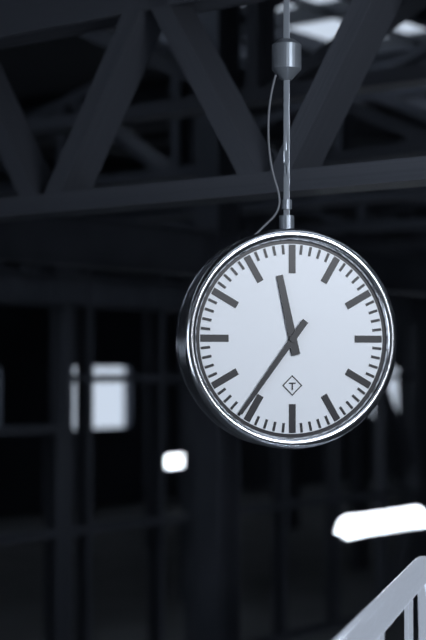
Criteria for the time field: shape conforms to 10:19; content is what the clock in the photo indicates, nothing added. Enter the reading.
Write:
11:36
